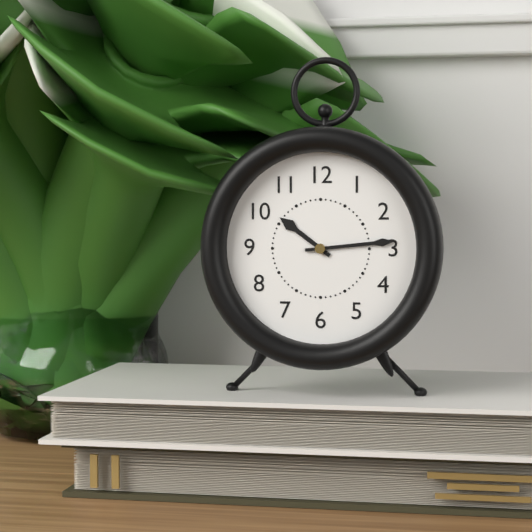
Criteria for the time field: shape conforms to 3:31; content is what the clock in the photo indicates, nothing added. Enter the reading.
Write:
10:14
